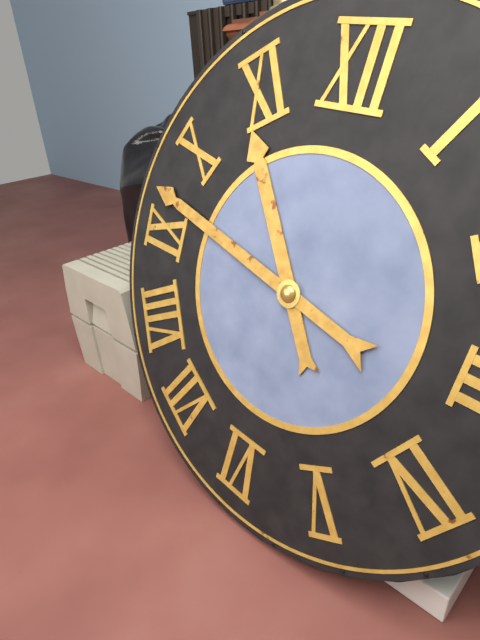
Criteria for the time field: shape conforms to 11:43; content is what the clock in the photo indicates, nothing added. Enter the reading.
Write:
10:47
